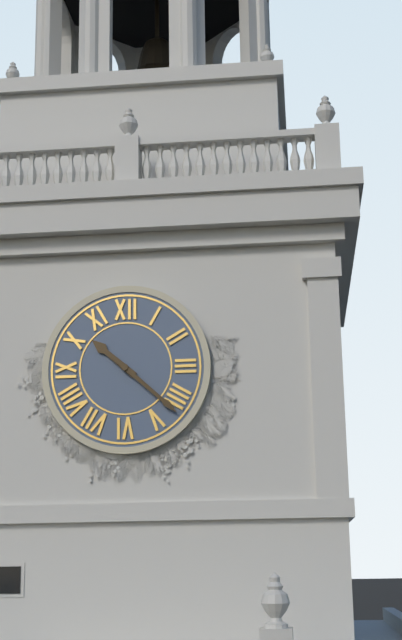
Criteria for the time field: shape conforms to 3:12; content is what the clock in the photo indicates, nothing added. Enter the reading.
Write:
10:22
